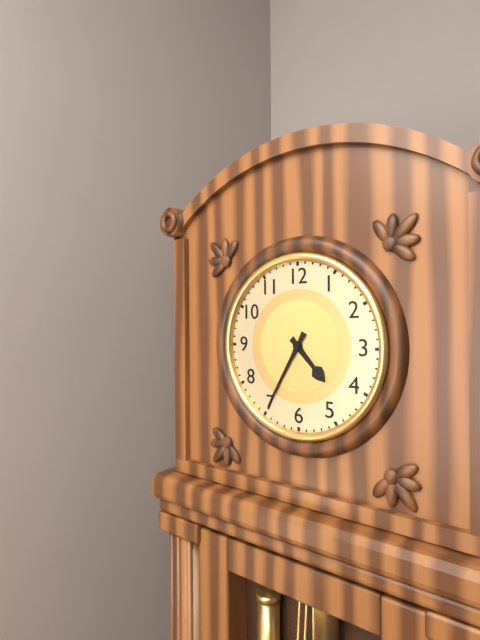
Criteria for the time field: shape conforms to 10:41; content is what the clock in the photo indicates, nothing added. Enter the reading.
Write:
4:35
